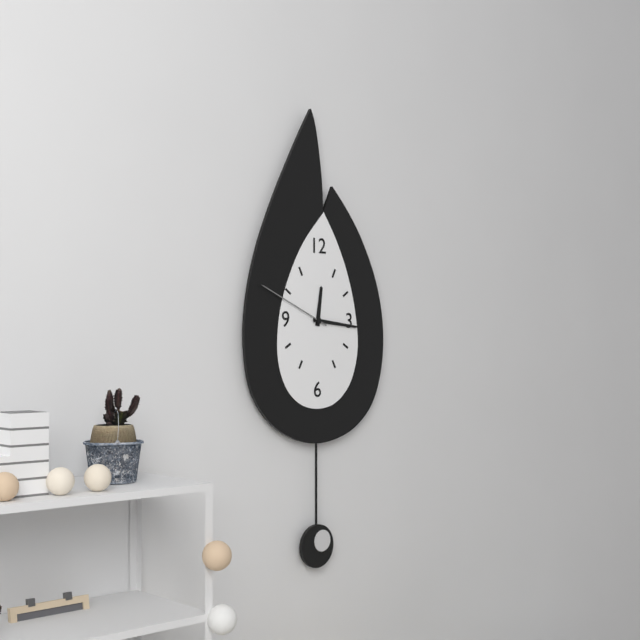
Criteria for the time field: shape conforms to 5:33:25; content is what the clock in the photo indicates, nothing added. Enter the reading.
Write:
12:16:49
